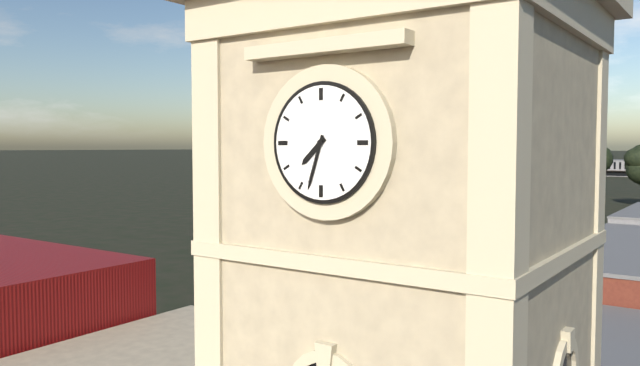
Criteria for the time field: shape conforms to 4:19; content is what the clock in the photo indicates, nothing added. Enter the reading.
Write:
7:33
